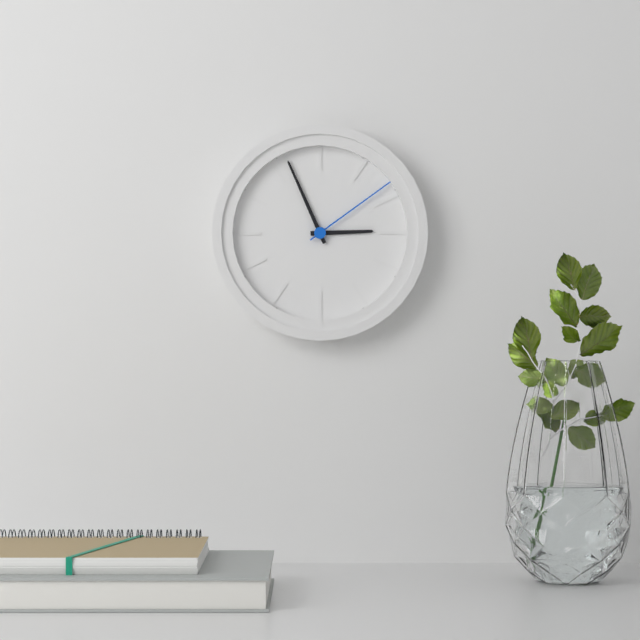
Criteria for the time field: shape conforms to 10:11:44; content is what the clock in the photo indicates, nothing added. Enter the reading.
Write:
2:56:09
